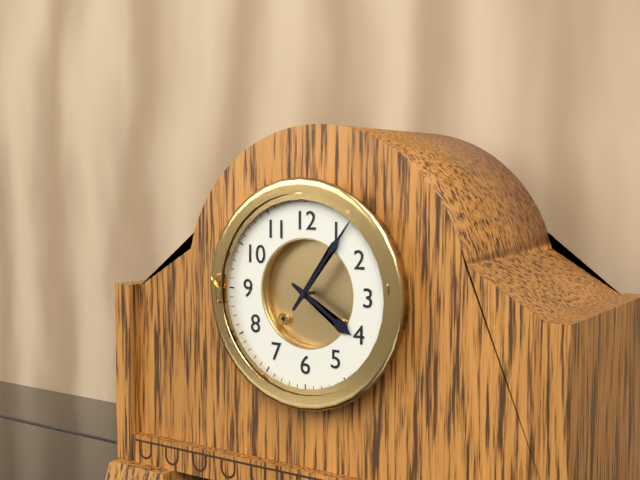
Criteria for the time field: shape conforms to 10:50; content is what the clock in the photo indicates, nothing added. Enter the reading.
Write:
4:06
